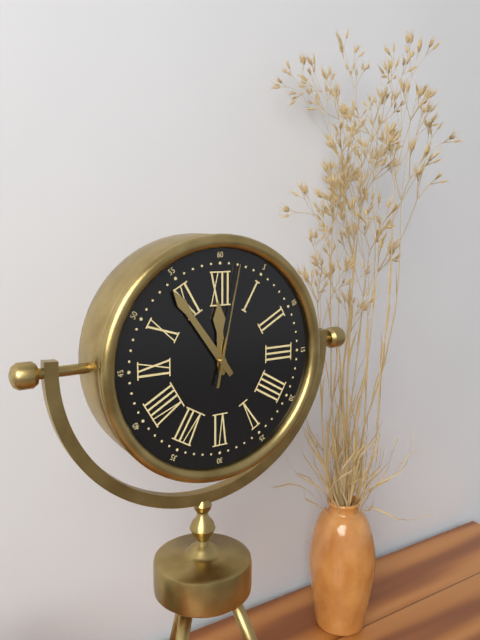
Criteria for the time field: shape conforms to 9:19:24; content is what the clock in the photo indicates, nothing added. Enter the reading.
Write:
11:54:02
